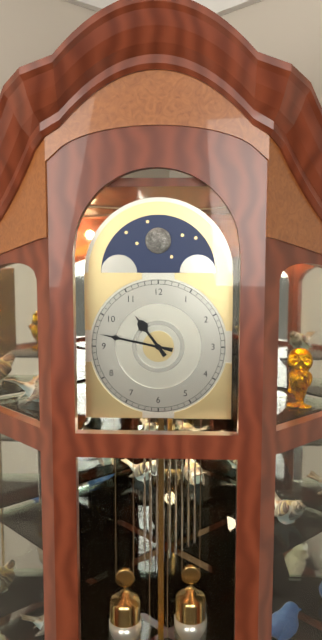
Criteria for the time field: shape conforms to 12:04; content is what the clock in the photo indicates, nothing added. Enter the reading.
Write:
10:47
